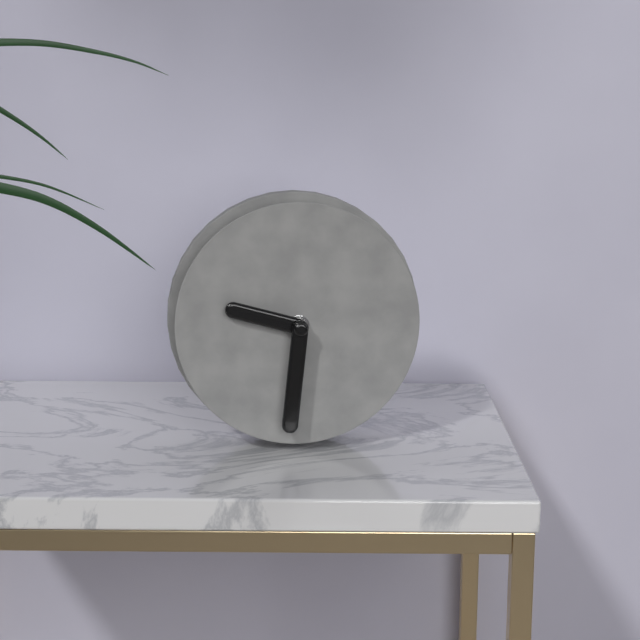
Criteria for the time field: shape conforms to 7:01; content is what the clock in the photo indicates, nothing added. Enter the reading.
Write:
9:31
